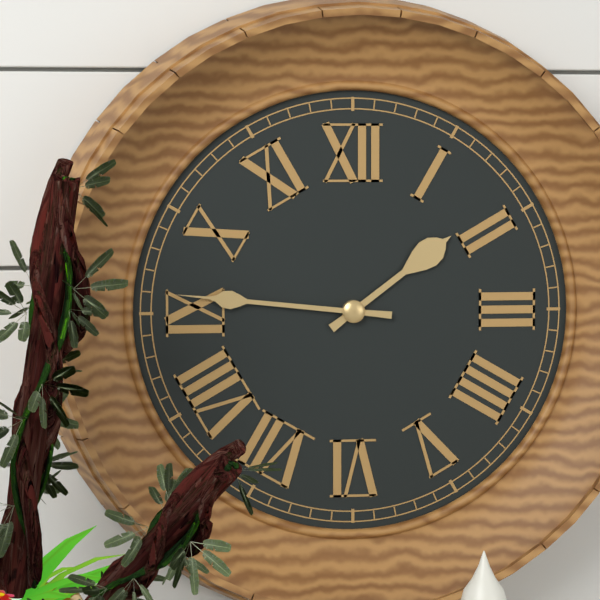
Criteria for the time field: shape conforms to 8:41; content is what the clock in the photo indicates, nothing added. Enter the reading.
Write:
1:46
